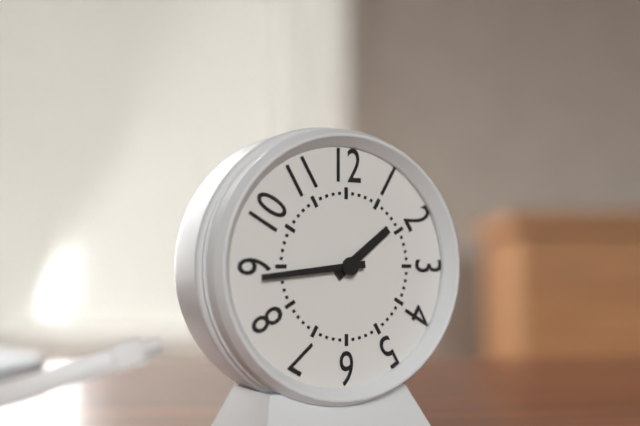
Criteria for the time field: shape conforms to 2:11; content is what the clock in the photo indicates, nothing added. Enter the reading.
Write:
1:44
